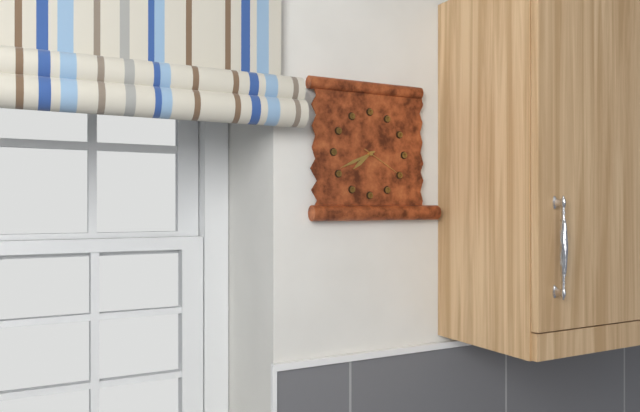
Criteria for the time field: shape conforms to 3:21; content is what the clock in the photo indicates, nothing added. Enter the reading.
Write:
7:41
